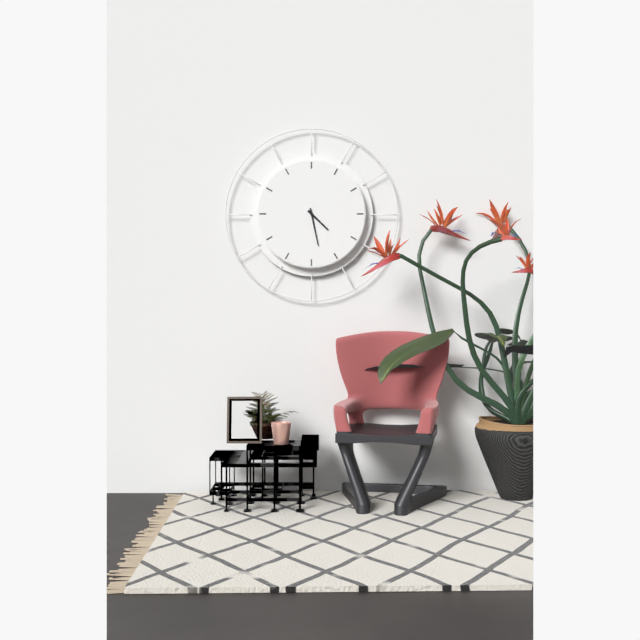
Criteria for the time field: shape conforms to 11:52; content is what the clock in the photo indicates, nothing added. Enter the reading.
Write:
4:28
